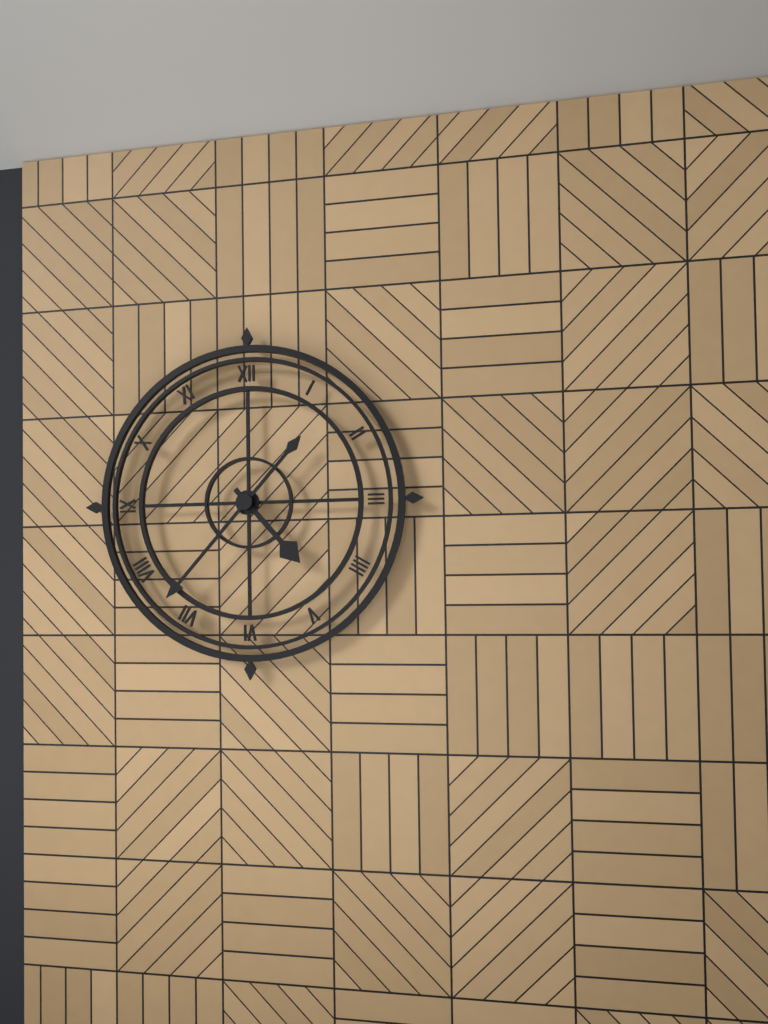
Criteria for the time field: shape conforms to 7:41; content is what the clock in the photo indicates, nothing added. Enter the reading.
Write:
4:37
